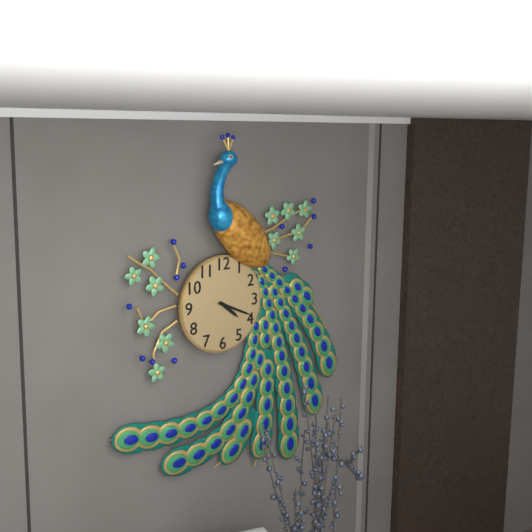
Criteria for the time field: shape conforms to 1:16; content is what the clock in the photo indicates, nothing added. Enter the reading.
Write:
4:19
